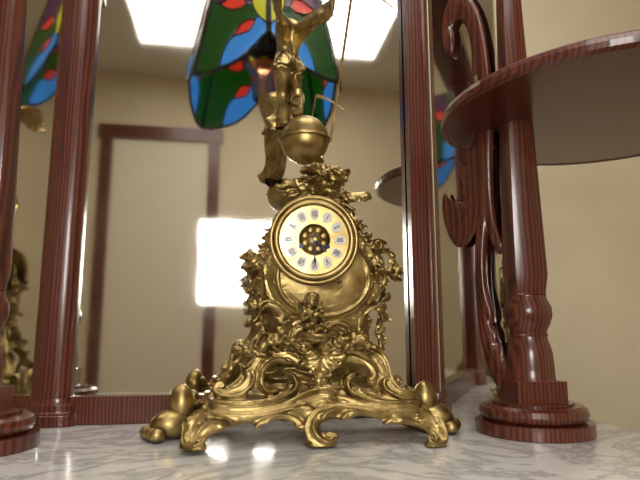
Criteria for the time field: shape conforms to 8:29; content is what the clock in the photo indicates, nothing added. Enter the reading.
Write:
4:30
